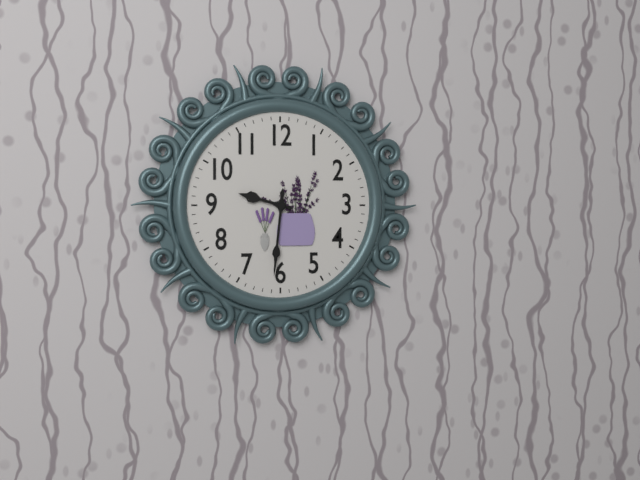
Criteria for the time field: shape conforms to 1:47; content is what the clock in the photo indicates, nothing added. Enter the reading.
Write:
9:31
